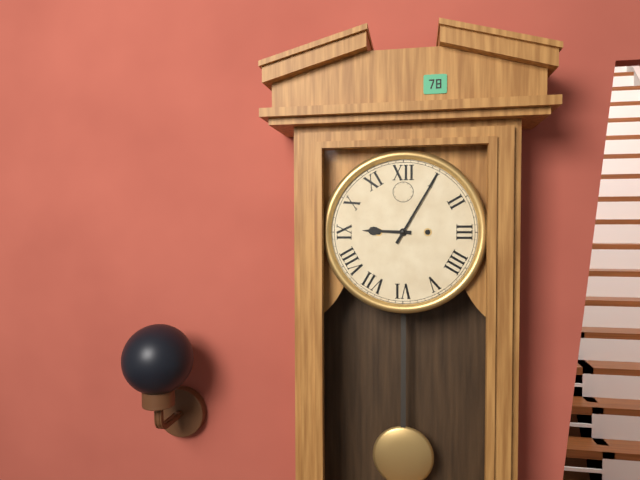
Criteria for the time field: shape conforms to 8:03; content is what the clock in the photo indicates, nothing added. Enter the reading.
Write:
9:05
